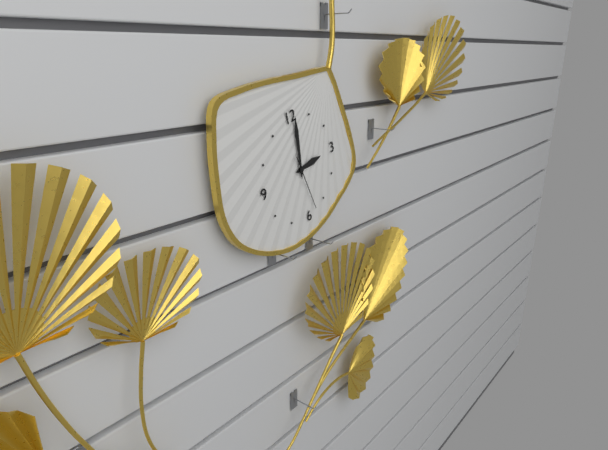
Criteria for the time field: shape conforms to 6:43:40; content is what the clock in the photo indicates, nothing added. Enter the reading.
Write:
3:01:28
